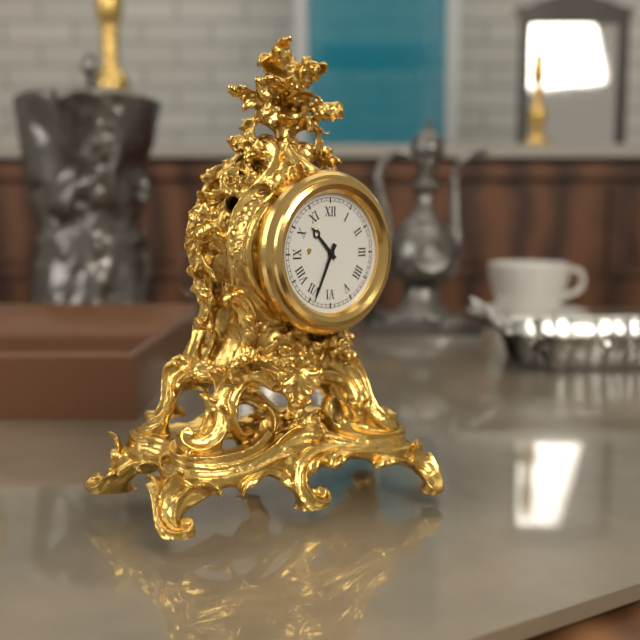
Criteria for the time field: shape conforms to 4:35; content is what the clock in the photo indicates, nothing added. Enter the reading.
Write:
10:34
